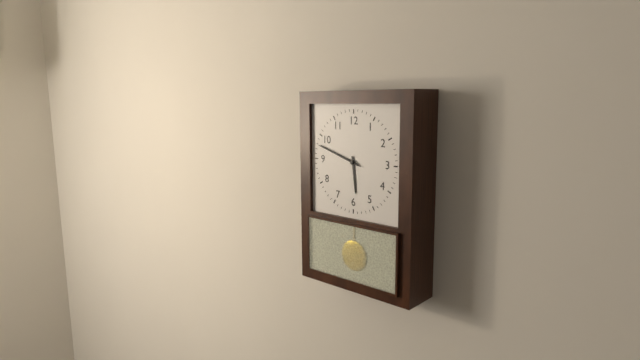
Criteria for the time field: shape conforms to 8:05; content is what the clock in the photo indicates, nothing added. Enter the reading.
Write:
5:48
